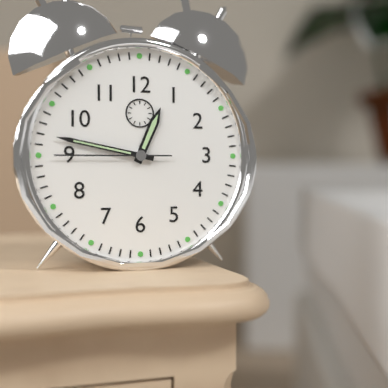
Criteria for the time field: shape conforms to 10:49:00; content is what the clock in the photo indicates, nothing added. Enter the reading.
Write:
12:47:45
